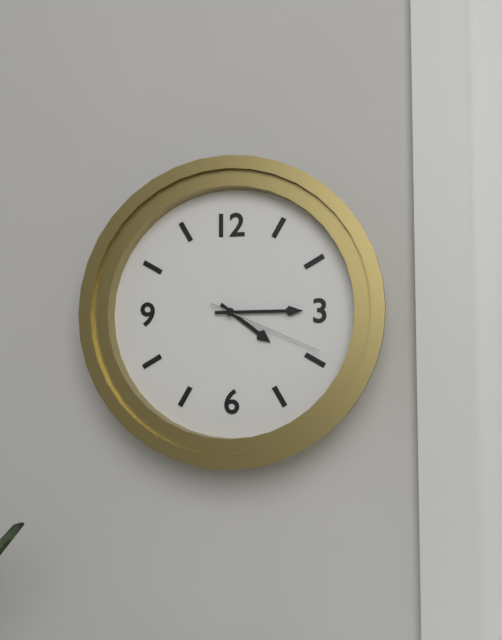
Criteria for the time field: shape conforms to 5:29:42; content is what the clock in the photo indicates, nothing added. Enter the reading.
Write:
4:15:19
